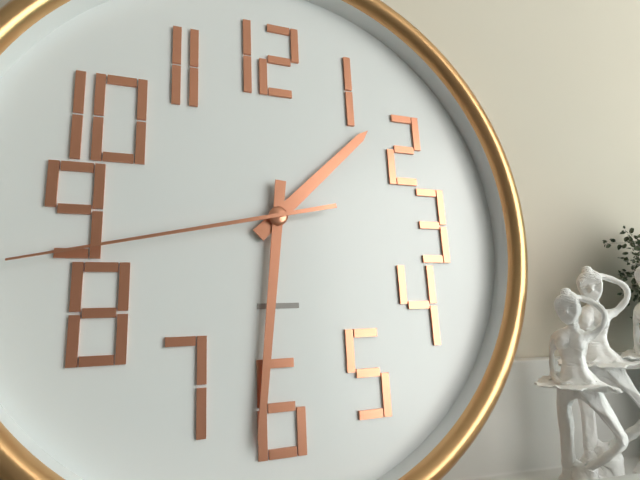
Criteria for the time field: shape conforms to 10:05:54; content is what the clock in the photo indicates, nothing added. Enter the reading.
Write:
1:31:43
